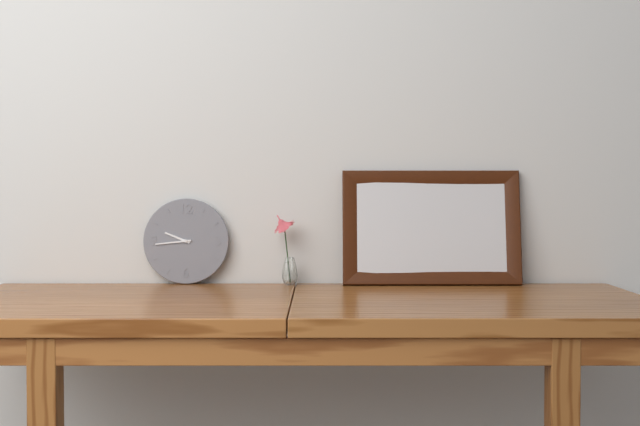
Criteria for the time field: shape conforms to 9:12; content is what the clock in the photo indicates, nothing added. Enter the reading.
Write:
9:44
